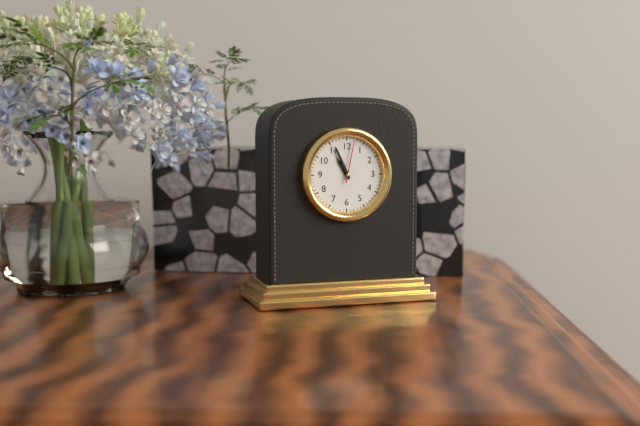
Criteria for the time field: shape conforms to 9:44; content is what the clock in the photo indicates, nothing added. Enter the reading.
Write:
10:56
